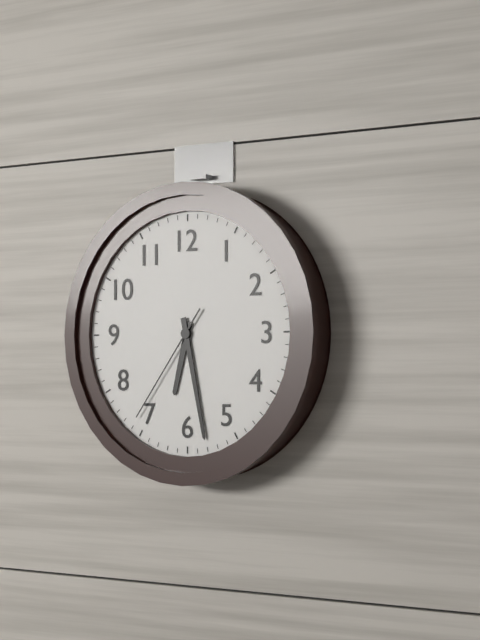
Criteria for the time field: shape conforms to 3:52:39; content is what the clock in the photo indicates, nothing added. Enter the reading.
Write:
6:28:36
